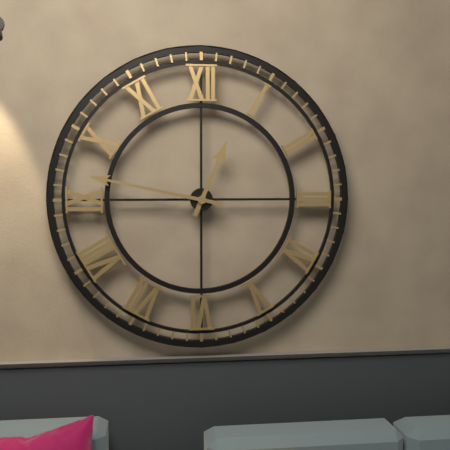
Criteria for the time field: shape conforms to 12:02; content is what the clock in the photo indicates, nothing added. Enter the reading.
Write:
12:47
